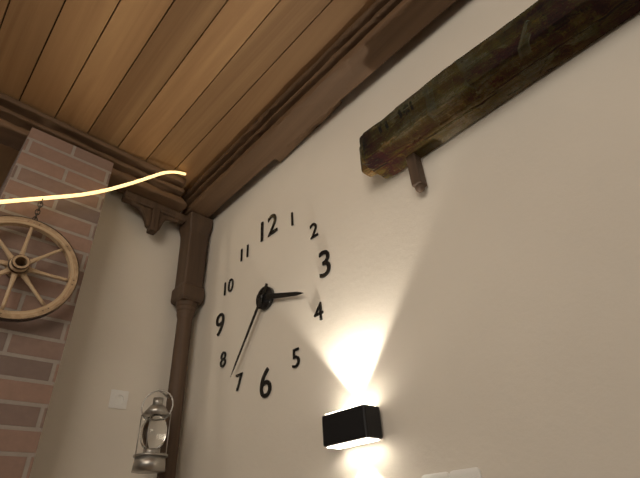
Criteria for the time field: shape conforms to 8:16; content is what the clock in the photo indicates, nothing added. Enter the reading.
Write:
3:36
